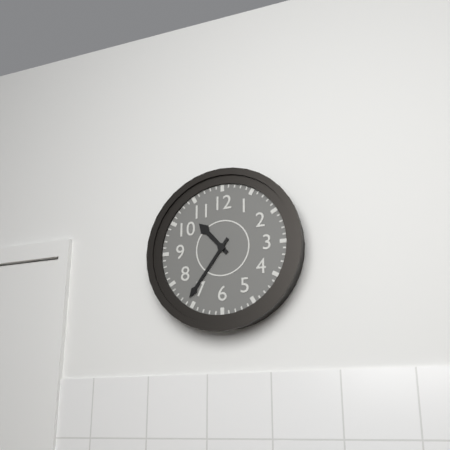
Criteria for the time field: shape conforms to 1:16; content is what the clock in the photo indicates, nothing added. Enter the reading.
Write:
10:36
